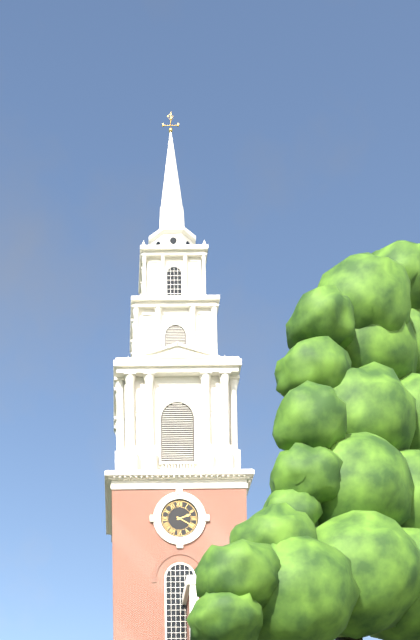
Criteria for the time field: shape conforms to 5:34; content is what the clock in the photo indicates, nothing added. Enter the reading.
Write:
2:20
